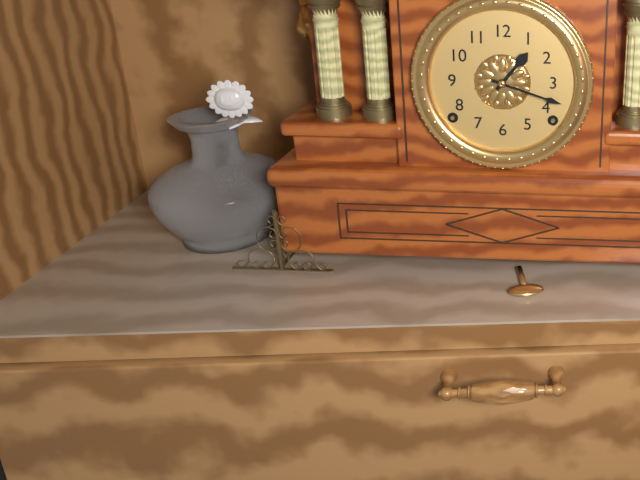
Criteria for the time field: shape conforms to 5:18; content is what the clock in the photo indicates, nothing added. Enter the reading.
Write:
1:18
